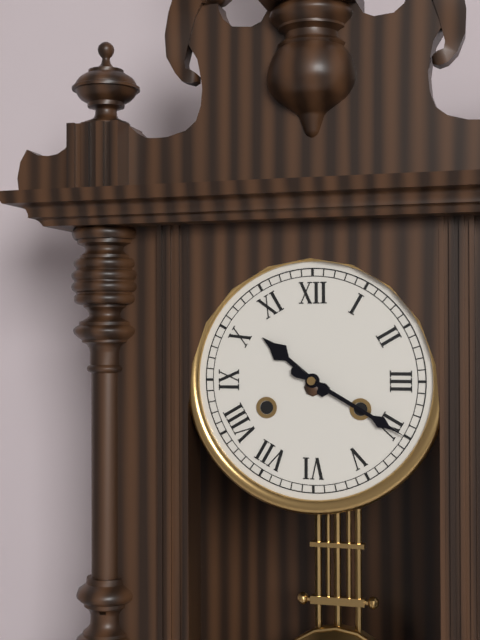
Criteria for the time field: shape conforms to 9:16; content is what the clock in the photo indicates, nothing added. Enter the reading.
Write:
10:20
